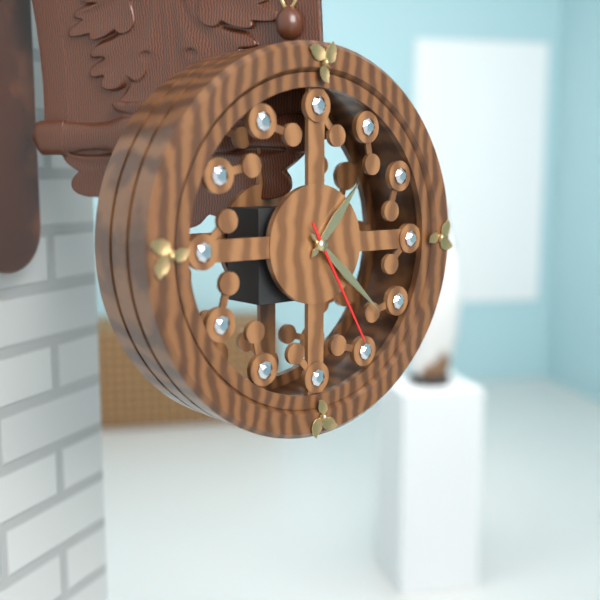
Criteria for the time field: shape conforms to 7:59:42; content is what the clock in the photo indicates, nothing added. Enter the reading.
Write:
1:22:25
